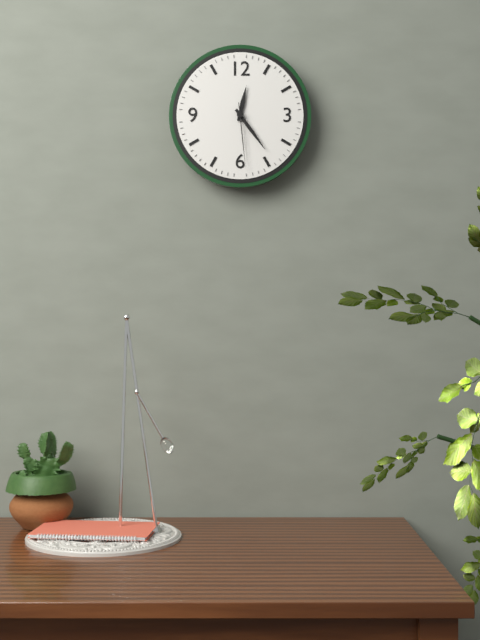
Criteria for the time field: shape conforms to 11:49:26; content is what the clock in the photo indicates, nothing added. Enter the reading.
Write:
12:24:29
